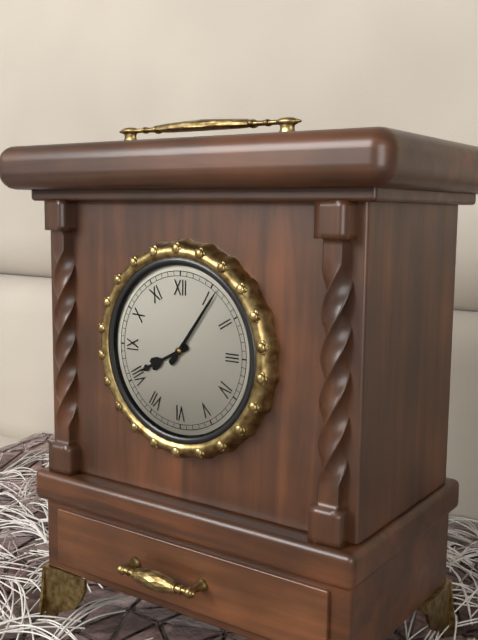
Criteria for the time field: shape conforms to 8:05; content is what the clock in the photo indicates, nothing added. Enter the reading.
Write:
8:06
